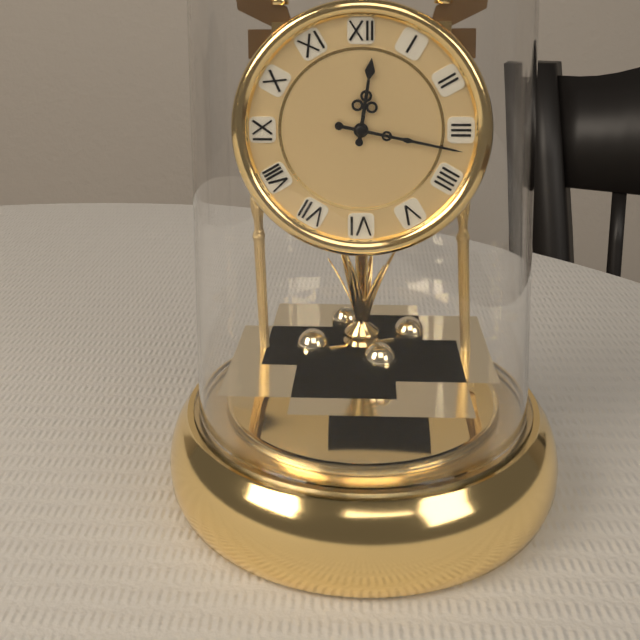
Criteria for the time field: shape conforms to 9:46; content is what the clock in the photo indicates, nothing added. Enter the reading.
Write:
12:17
